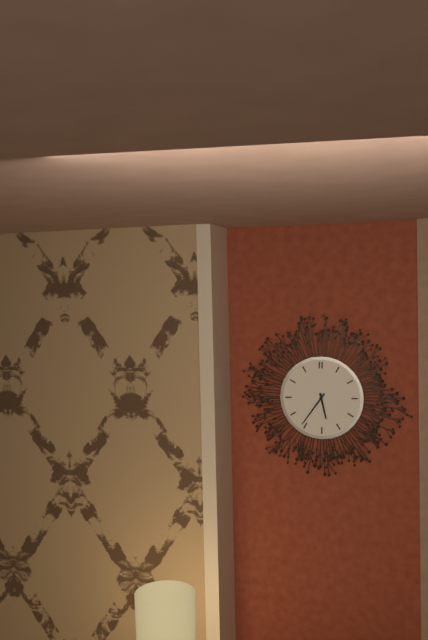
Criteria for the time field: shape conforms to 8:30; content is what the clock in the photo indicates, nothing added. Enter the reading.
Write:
5:36
